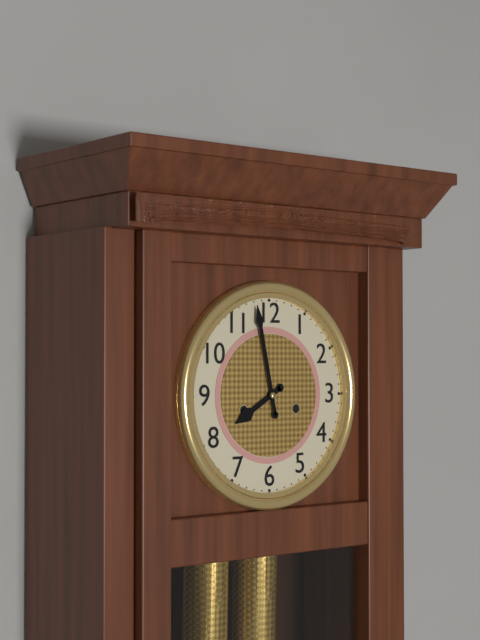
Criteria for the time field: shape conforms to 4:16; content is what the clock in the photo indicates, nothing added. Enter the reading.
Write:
7:58
